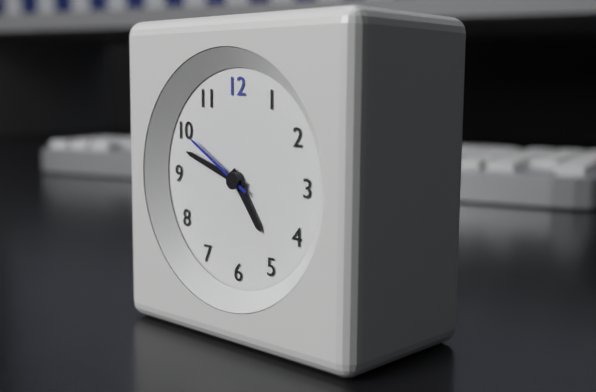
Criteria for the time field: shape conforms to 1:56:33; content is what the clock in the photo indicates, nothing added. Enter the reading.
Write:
4:48:50
